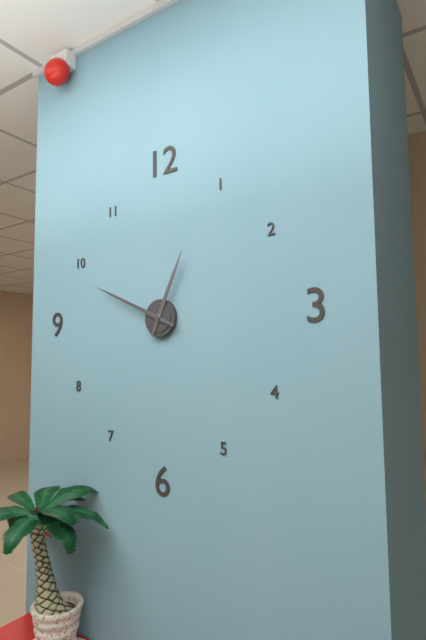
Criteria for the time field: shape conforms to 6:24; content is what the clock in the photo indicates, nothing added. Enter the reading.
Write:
12:49
